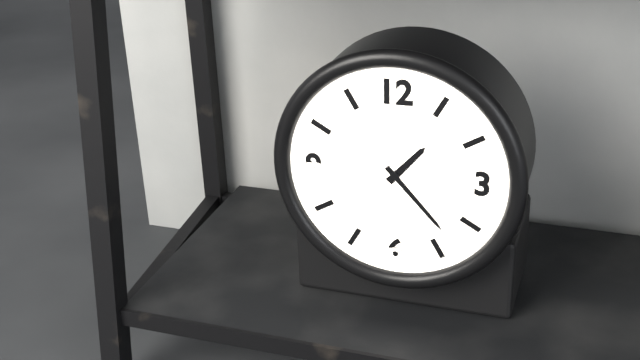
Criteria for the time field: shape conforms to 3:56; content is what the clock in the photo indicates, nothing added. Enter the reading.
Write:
1:23
